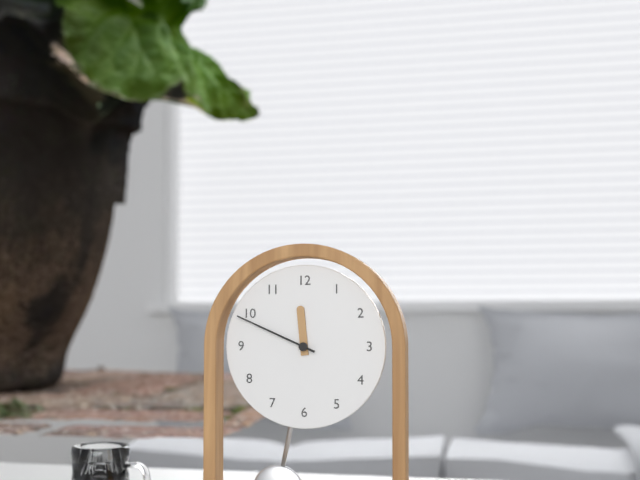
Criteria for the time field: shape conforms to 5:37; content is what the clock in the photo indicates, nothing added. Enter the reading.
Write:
11:49
